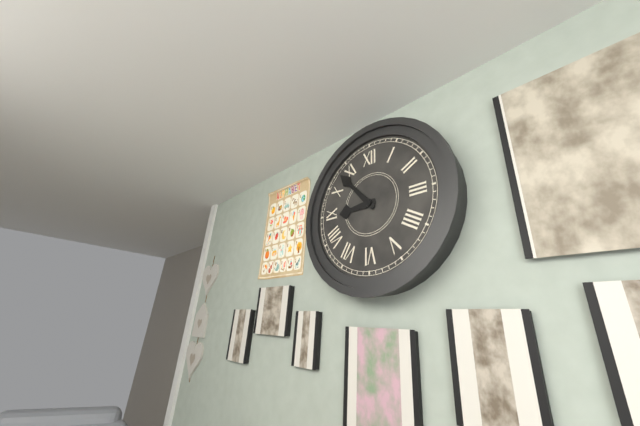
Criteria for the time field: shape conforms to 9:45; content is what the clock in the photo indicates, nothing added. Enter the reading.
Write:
8:53
